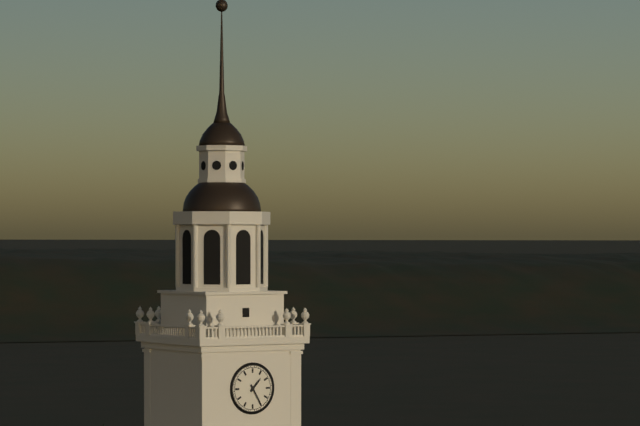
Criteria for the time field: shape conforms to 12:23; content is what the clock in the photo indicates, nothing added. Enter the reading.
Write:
1:25
